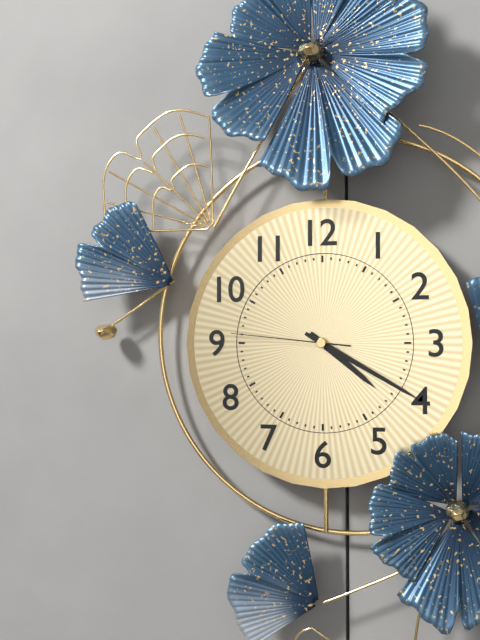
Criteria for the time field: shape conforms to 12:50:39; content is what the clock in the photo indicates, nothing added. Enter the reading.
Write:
4:20:46
